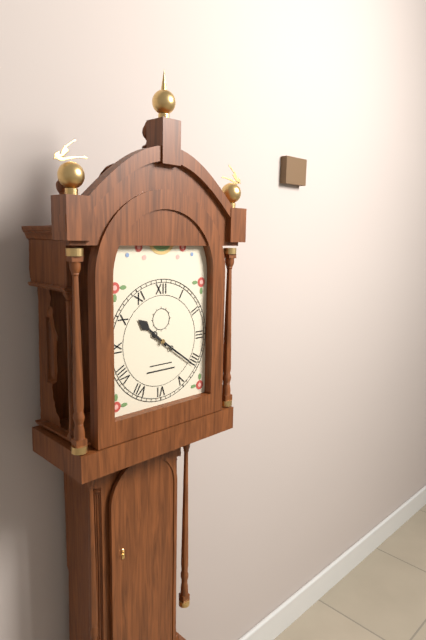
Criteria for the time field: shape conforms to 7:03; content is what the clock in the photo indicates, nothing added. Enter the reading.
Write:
10:21
